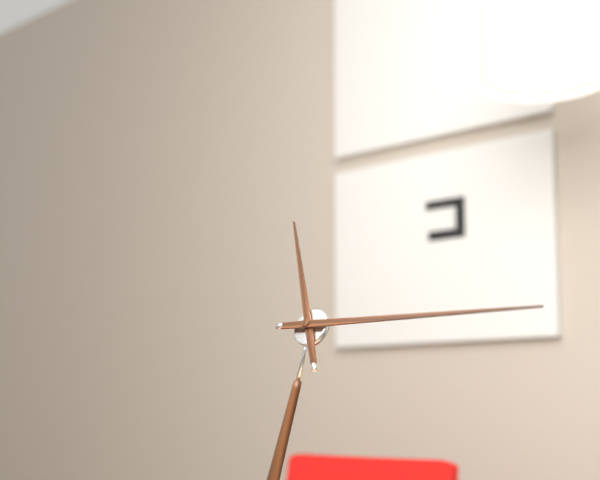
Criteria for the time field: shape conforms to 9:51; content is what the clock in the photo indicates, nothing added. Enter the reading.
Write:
11:15
